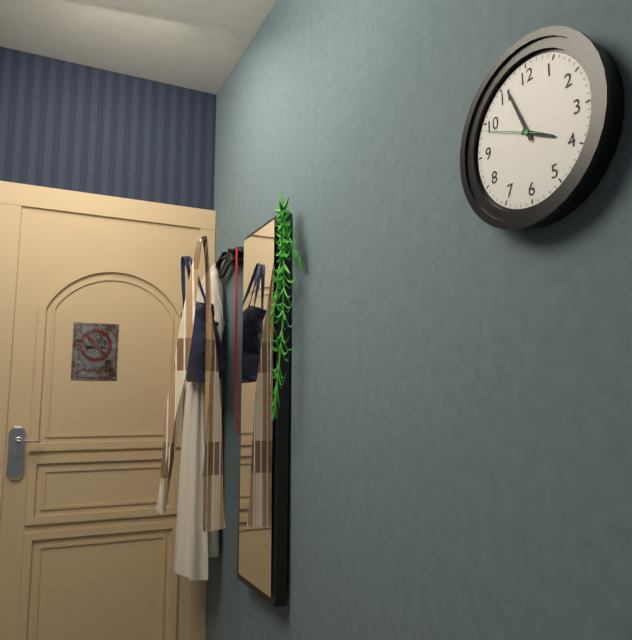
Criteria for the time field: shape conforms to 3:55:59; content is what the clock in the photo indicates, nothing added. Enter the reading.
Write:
3:56:49
